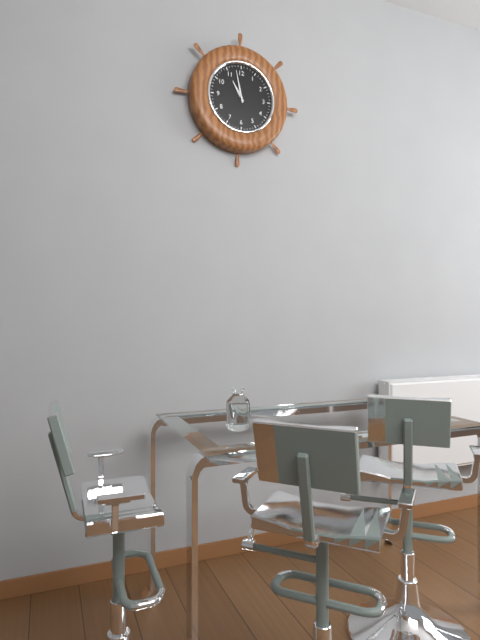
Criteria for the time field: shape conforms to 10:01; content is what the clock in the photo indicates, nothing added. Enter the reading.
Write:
10:58
